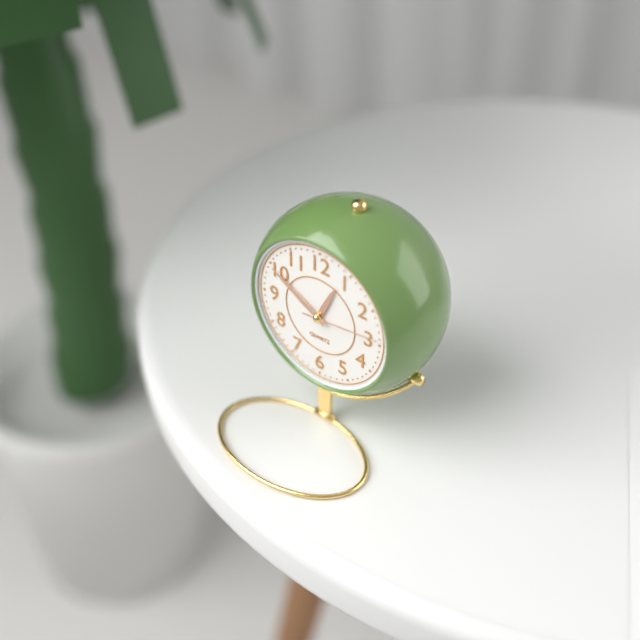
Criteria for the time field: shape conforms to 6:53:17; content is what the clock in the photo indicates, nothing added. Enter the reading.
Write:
12:50:14
